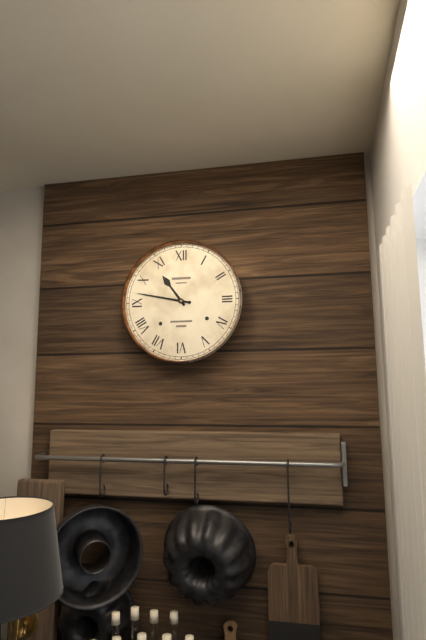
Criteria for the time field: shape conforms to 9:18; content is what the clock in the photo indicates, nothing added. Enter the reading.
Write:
10:47
